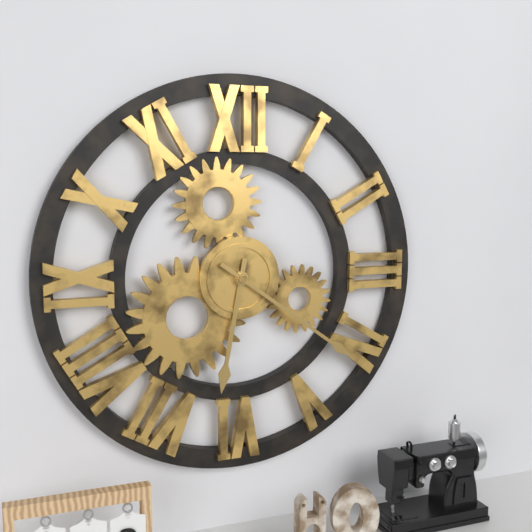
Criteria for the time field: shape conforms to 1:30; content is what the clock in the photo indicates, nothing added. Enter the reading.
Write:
6:21
